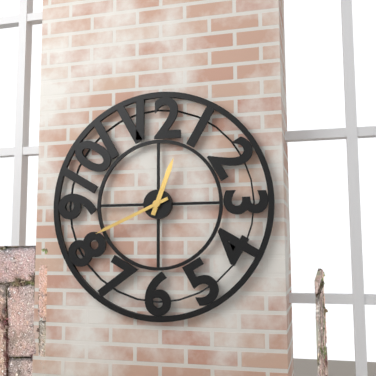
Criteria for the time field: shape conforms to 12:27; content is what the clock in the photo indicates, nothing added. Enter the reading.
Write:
12:41
